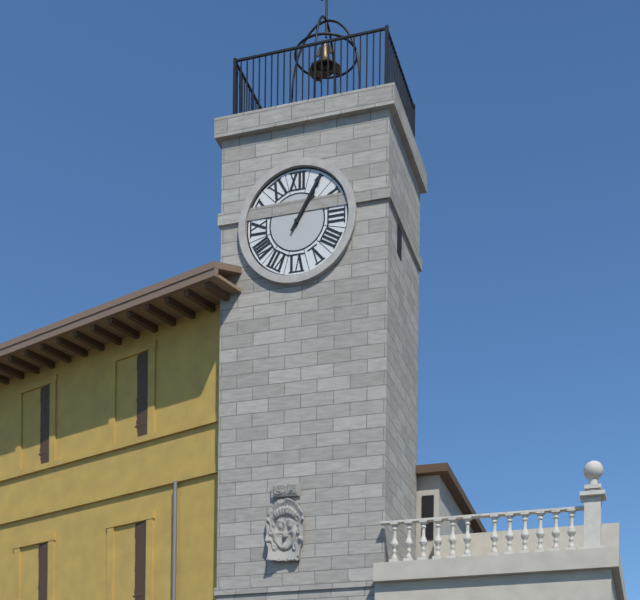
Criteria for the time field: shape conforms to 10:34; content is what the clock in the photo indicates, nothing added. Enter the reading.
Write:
1:05
